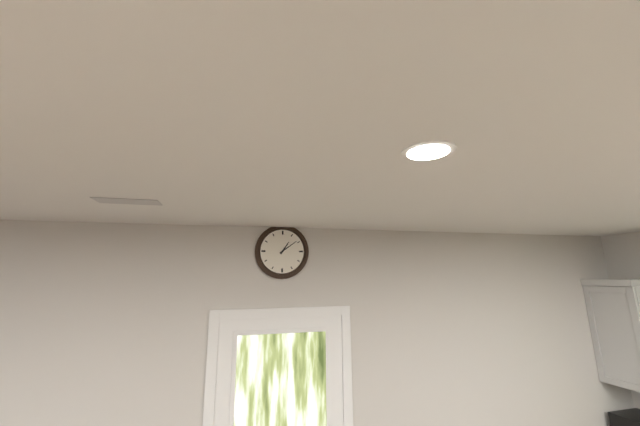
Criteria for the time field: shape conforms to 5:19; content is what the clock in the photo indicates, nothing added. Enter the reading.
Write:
1:09
